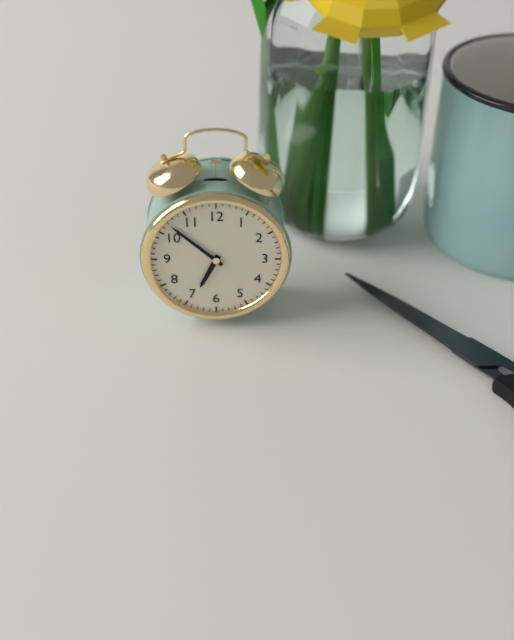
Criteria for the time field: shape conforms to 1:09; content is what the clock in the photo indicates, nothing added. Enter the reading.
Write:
6:52
